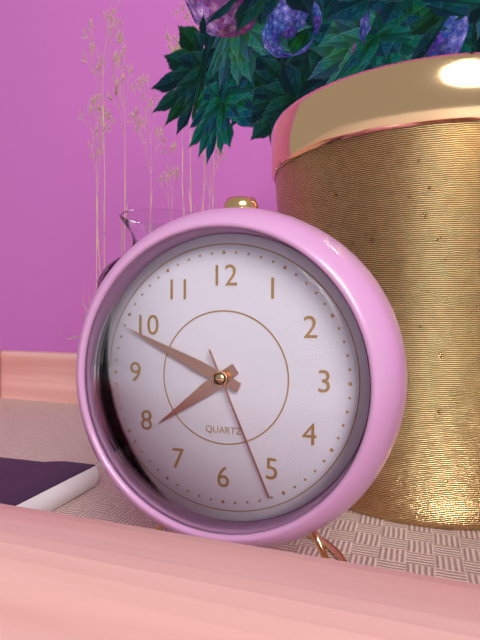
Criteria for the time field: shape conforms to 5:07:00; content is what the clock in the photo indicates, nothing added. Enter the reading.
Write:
7:49:26
